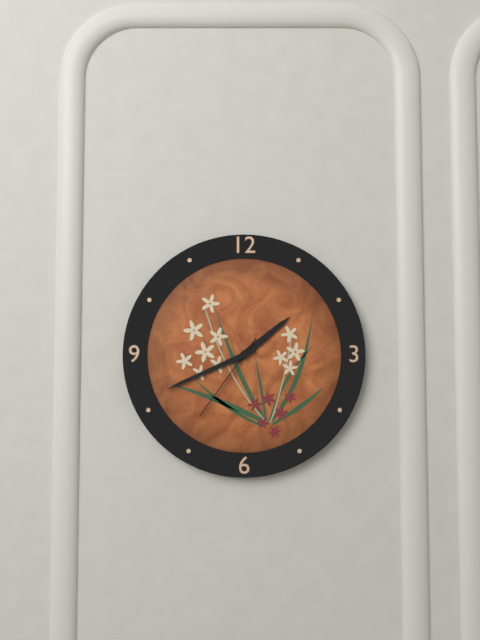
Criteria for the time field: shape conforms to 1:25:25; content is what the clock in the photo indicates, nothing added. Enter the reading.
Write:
1:41:36
